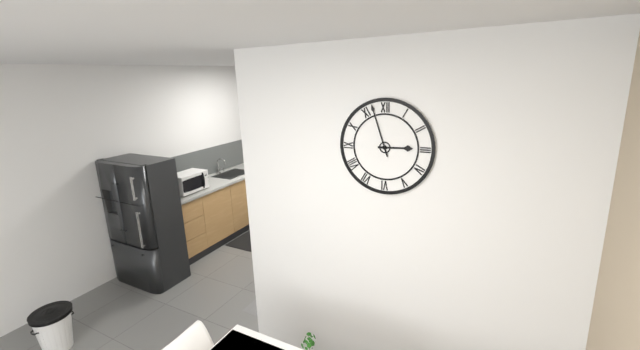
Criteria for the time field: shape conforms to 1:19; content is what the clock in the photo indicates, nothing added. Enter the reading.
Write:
2:57
